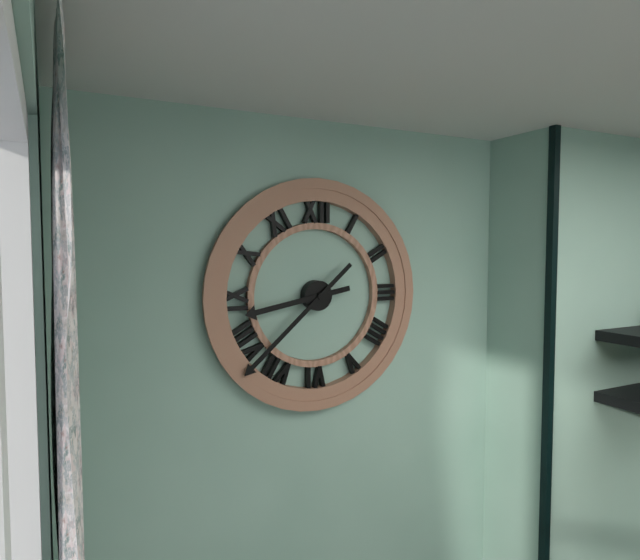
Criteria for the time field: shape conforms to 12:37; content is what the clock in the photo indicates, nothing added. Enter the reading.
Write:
8:38
